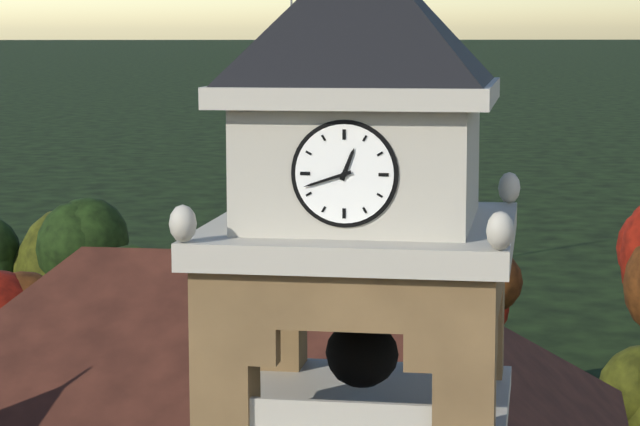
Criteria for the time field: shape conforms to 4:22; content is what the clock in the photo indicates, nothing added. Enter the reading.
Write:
12:42
